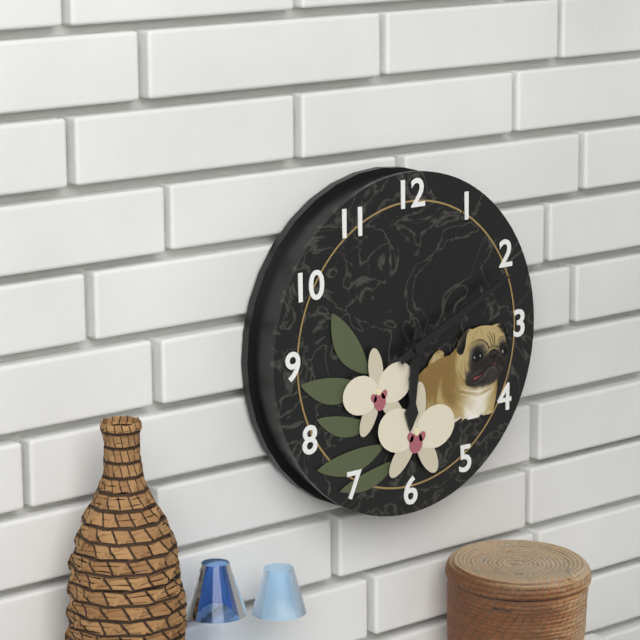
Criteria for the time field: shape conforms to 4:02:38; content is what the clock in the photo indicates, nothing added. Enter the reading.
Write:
6:11:04
